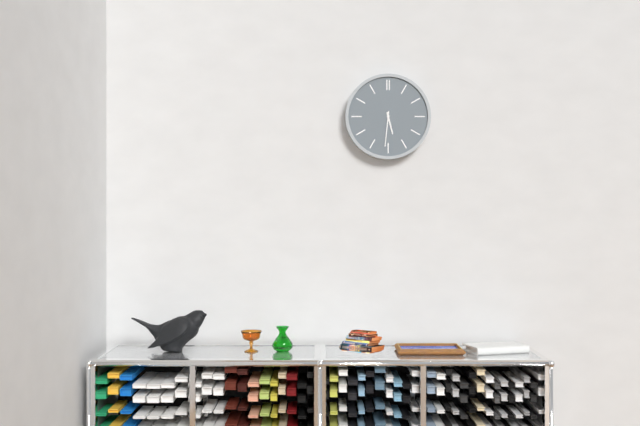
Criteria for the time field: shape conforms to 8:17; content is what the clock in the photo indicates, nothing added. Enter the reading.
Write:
5:31
